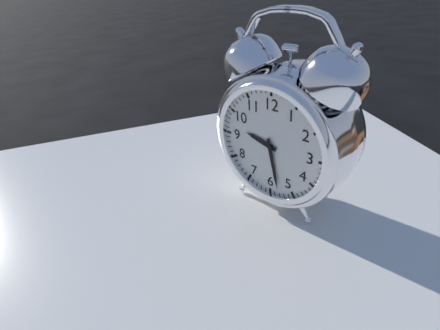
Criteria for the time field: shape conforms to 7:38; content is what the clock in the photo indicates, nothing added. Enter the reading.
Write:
9:28
